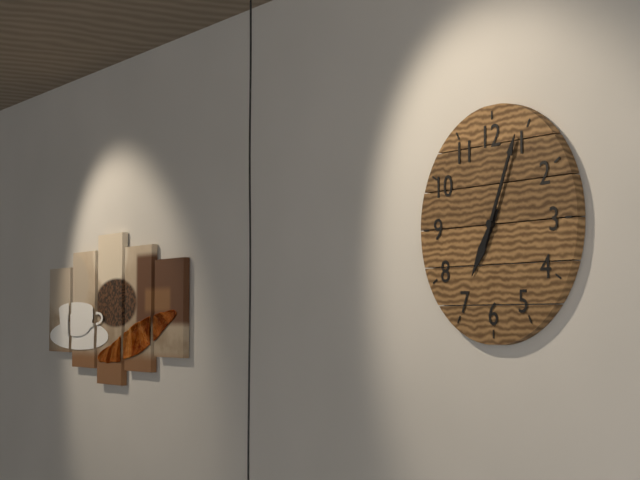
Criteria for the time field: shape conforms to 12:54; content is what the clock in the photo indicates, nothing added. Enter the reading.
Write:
7:04
